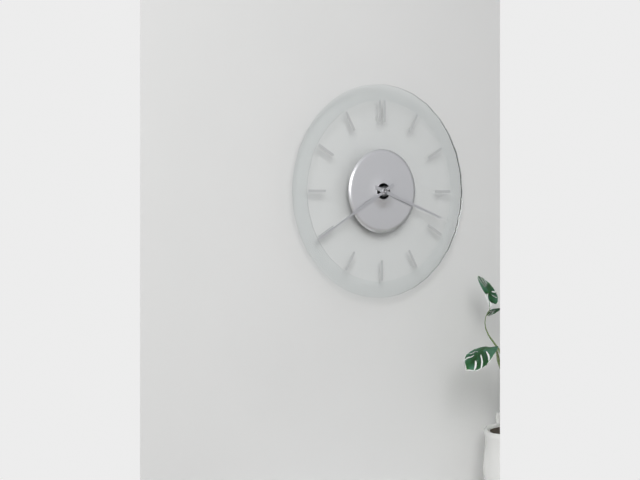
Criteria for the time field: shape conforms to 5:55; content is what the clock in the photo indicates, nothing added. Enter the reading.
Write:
3:40
